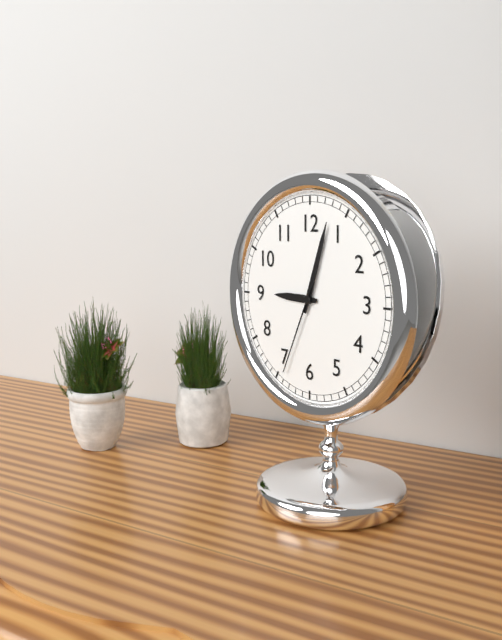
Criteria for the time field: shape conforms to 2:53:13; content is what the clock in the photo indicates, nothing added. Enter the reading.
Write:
9:03:34
